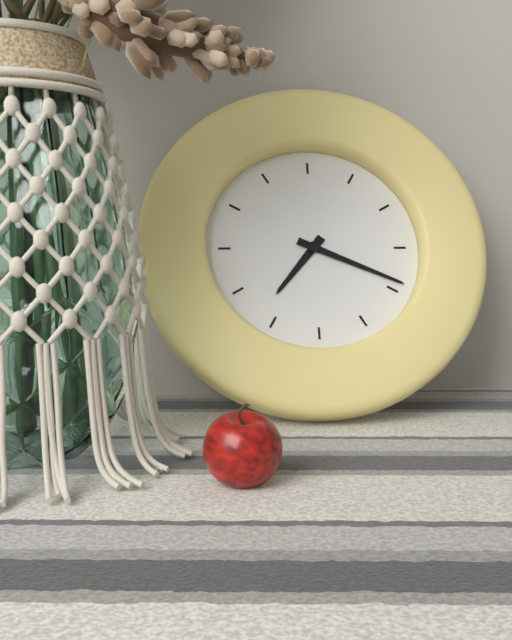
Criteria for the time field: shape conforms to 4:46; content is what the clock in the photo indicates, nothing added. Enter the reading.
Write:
7:19
